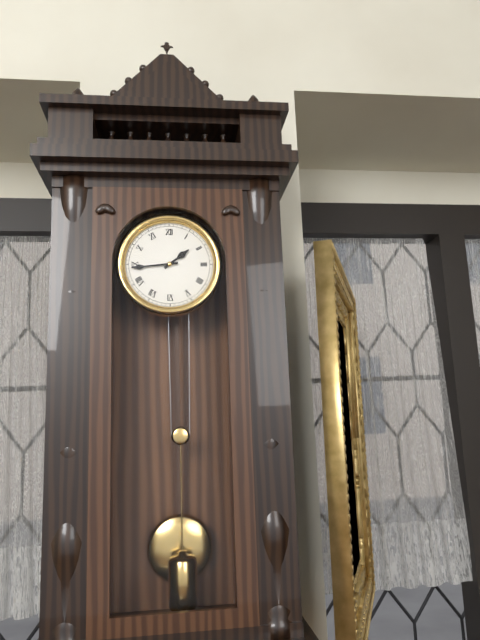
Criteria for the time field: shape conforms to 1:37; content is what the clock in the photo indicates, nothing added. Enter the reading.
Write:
1:44
